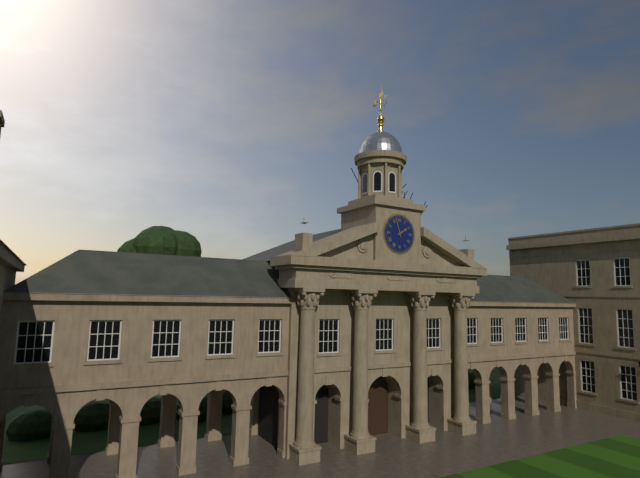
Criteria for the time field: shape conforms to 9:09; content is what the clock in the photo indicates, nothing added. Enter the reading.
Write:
1:57
